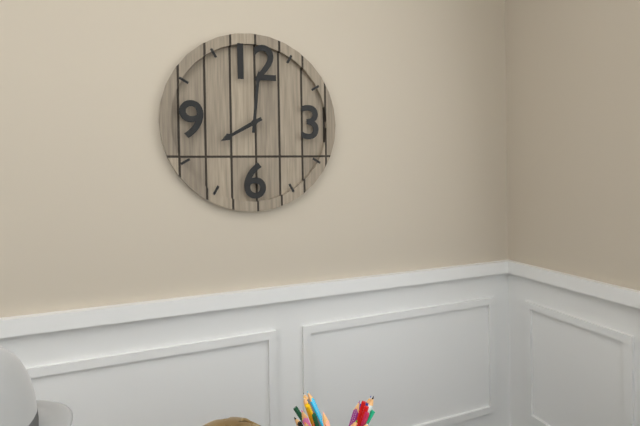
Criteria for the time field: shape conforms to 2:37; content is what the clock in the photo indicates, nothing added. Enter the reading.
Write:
8:01
